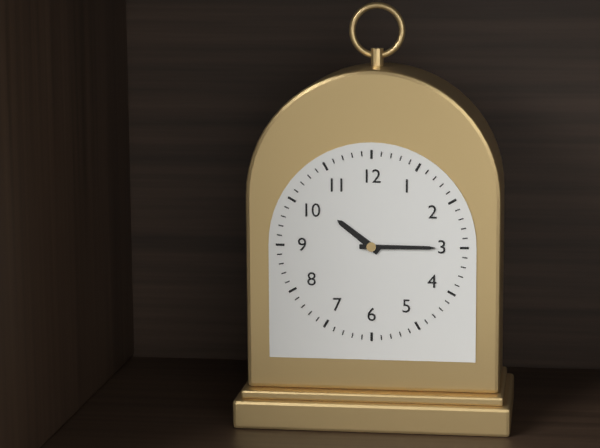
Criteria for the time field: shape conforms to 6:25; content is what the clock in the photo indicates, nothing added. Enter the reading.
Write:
10:15
